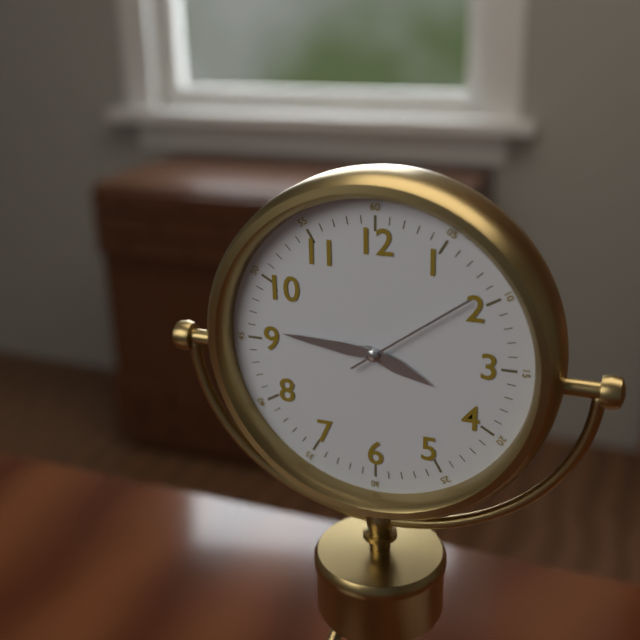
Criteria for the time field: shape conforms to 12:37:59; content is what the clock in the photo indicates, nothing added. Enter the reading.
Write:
3:46:09
